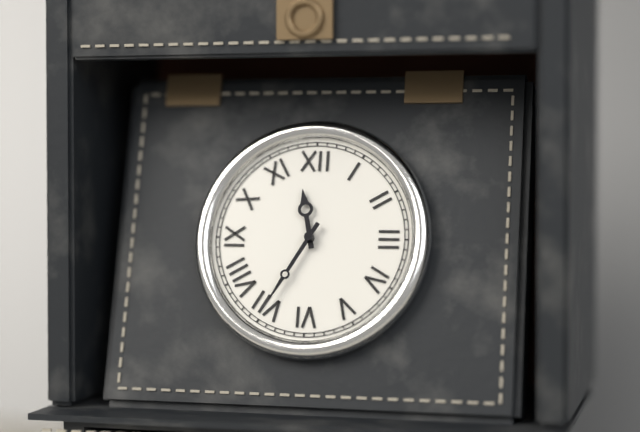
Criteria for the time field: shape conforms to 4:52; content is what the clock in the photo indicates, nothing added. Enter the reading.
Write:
11:35
